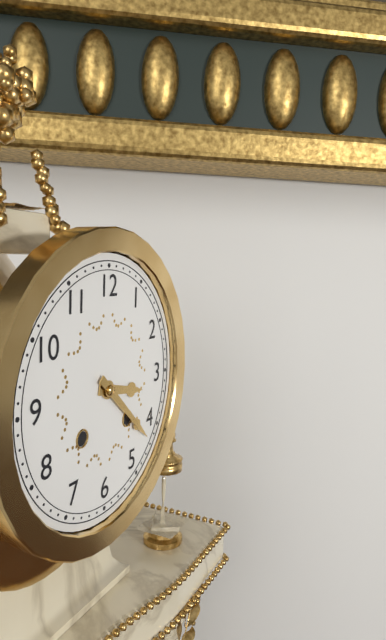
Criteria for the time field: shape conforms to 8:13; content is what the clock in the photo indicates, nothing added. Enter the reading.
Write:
3:22
